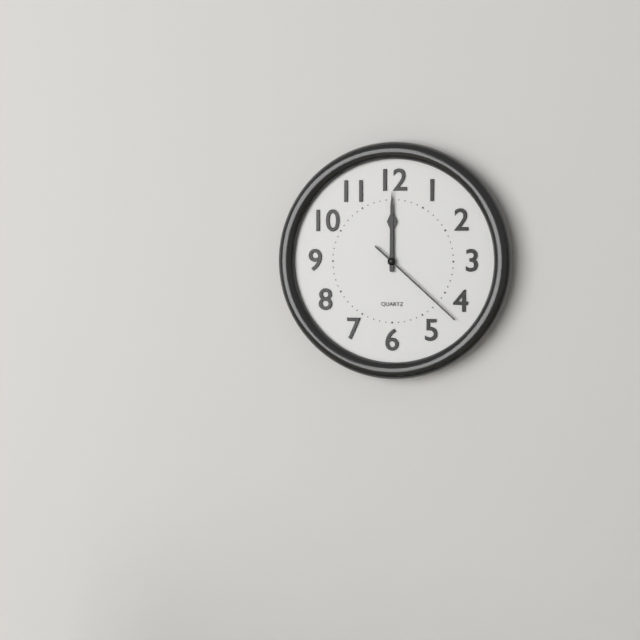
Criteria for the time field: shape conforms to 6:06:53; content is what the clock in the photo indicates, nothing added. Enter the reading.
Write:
12:00:22
